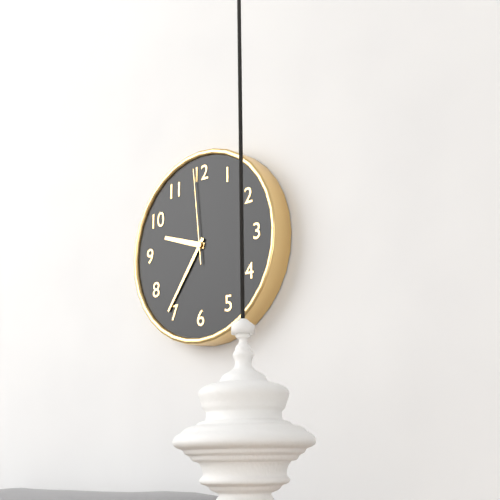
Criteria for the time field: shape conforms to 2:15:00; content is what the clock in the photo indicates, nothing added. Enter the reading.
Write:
9:36:59
